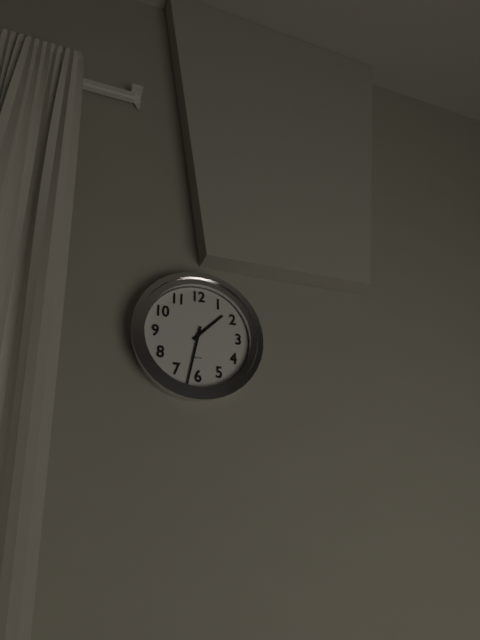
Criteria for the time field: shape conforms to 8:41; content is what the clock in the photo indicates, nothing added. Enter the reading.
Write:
1:32
